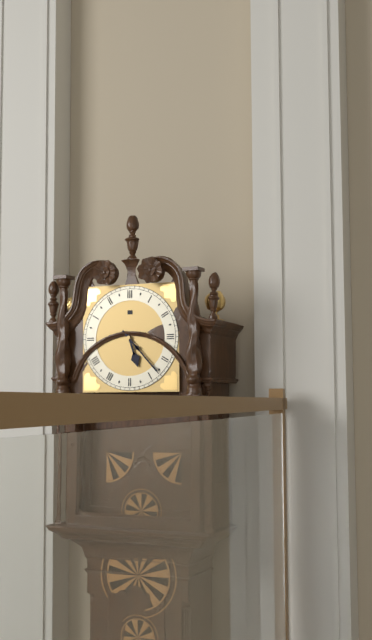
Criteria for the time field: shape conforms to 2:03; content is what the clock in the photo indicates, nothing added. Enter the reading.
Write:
5:23
